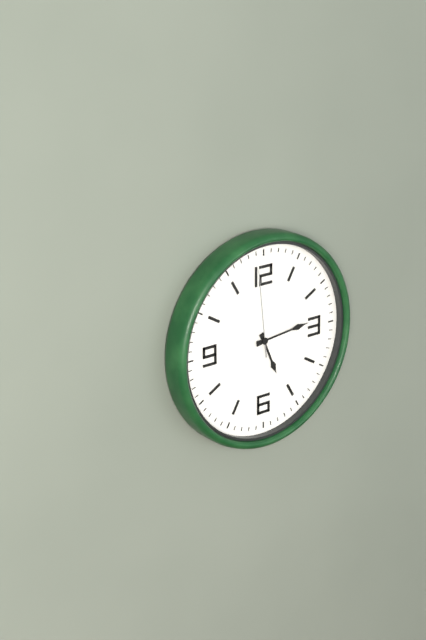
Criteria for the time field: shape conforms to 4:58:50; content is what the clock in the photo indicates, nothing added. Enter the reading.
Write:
5:14:59
